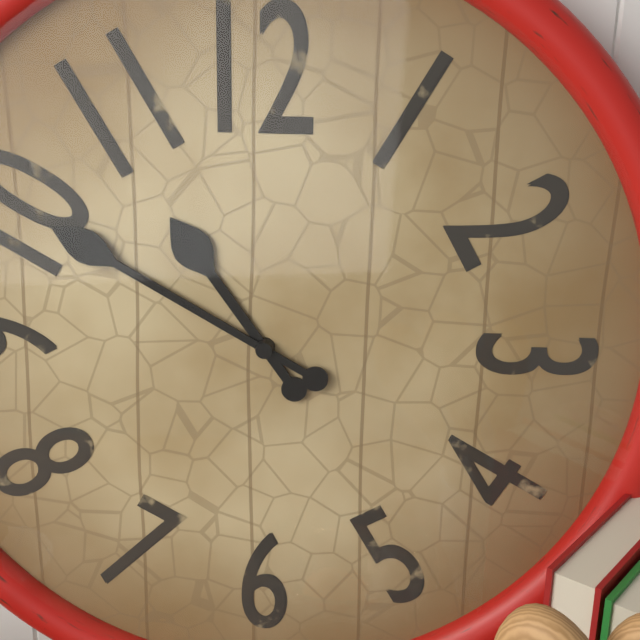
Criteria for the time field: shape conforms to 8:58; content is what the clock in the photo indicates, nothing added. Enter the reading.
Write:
10:50
